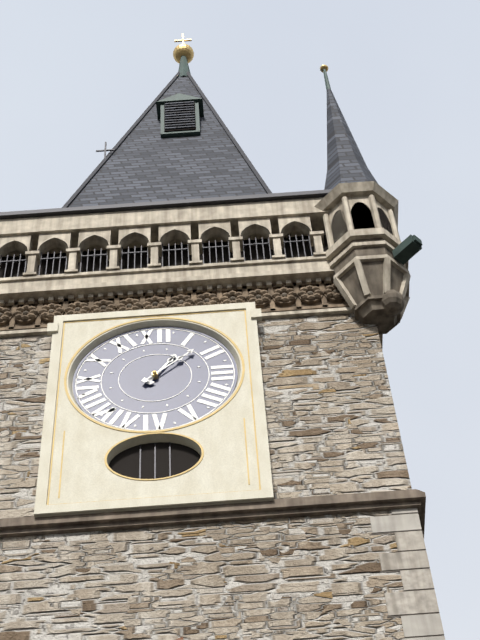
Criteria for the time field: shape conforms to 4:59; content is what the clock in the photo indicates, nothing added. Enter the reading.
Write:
1:08
